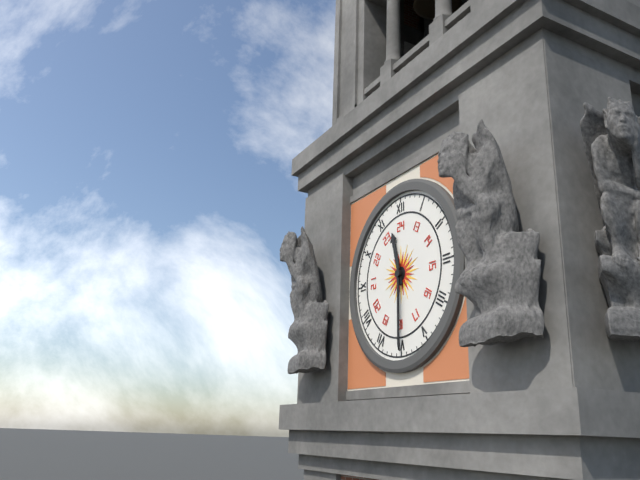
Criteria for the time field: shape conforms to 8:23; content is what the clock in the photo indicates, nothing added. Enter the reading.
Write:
11:30
